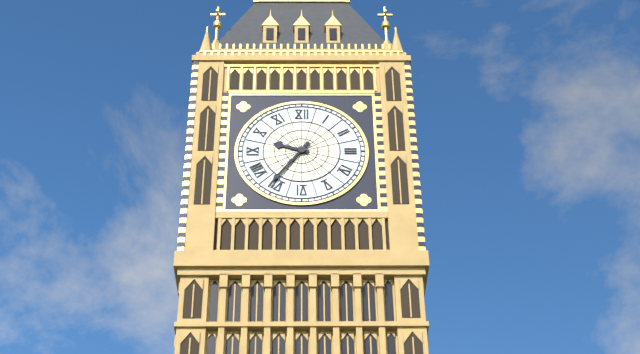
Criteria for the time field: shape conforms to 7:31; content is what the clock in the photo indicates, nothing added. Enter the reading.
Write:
9:36
